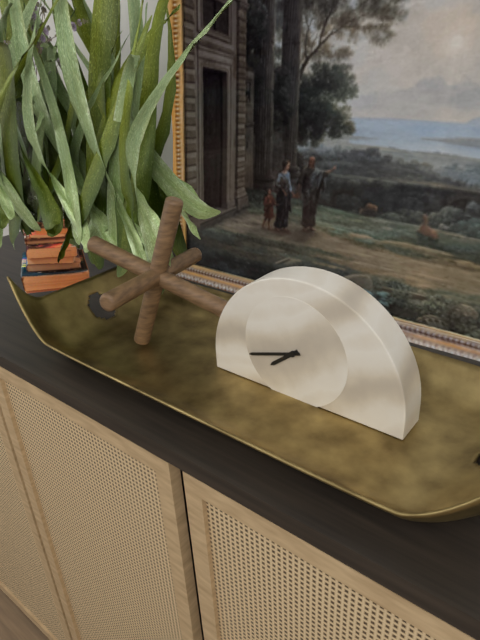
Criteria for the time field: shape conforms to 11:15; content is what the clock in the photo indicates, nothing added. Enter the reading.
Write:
7:42
